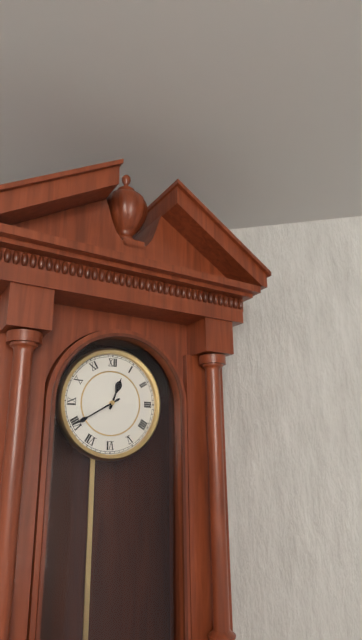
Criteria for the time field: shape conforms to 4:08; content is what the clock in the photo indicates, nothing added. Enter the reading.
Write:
12:40
